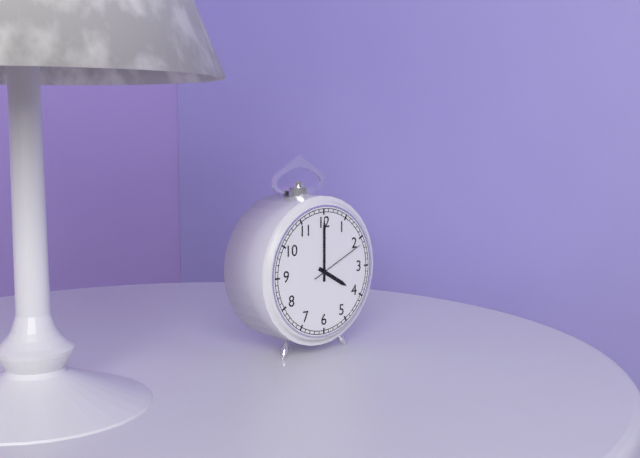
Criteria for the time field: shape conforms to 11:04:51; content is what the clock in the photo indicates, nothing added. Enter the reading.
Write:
4:00:11
